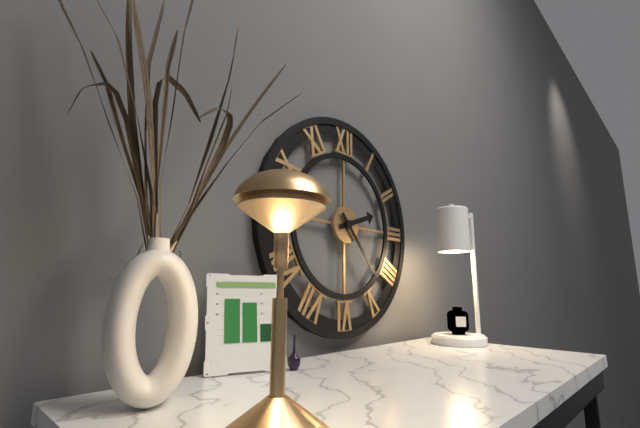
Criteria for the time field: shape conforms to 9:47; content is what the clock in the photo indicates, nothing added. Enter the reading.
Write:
2:23
